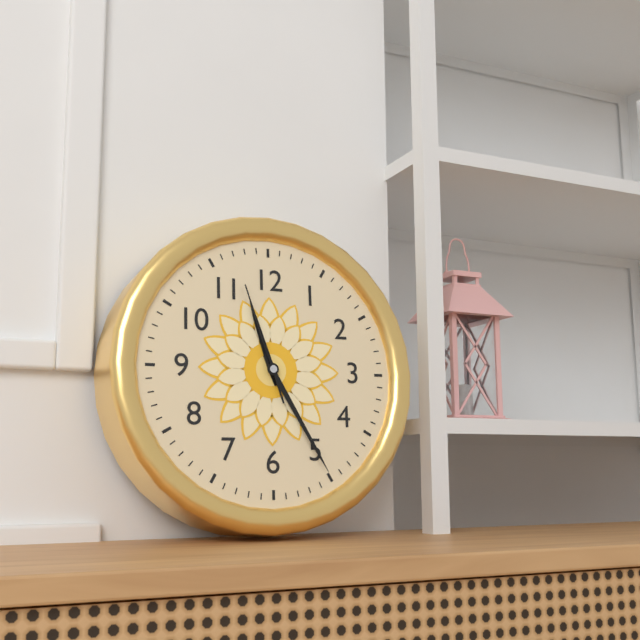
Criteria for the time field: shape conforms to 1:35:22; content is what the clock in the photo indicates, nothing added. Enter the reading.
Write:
11:25:57
